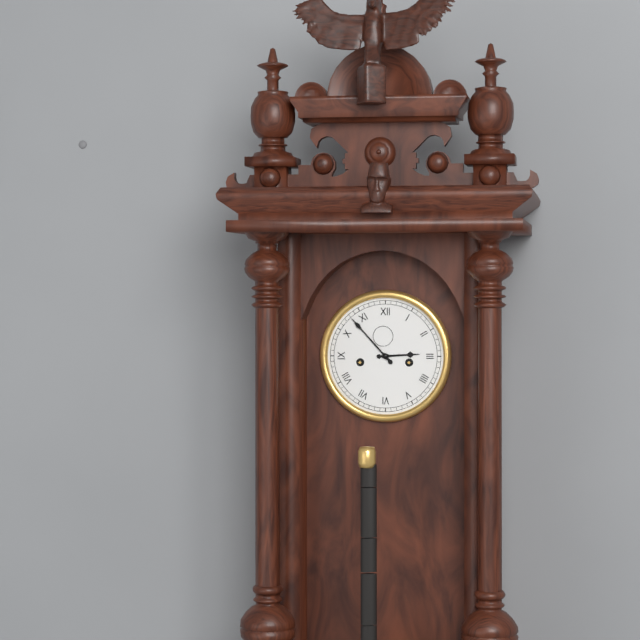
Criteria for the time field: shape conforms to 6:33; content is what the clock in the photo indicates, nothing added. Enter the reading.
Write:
2:53
